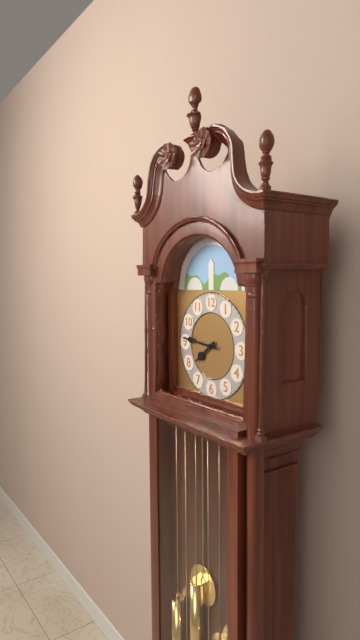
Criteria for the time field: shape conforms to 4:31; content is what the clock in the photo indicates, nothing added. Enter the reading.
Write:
7:46
